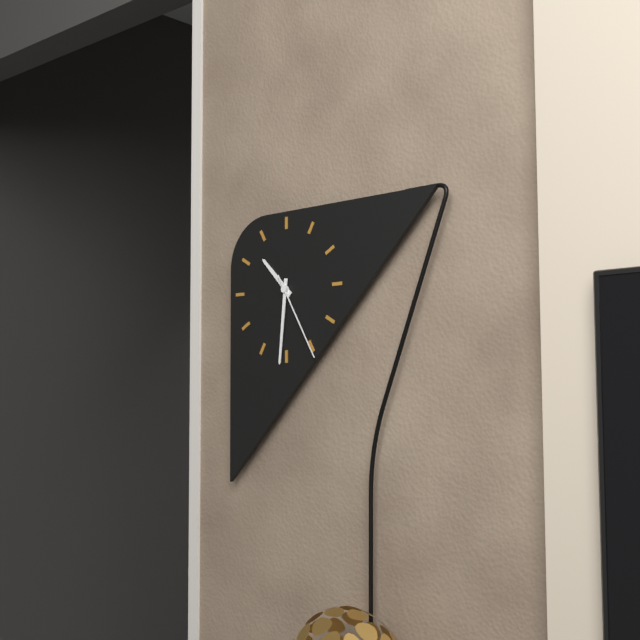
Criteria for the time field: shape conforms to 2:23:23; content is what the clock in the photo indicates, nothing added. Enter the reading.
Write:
10:31:25
